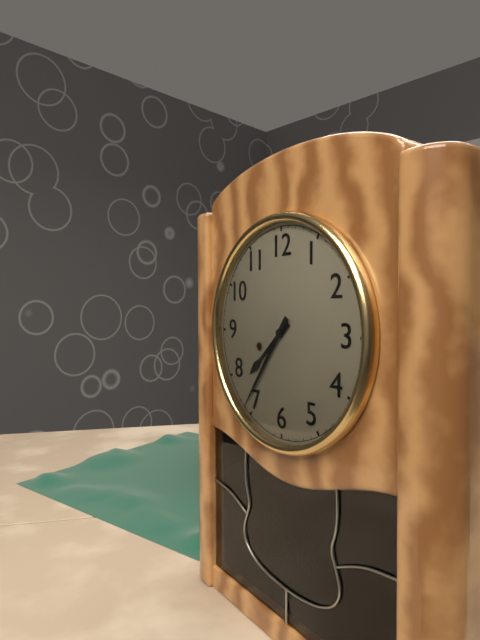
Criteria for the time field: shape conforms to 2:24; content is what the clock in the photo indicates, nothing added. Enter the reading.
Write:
7:36
